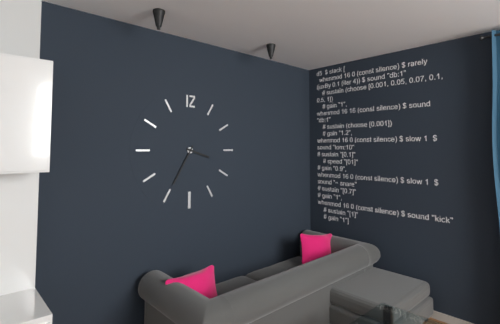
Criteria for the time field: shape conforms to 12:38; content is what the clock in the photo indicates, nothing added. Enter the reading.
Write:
3:35
